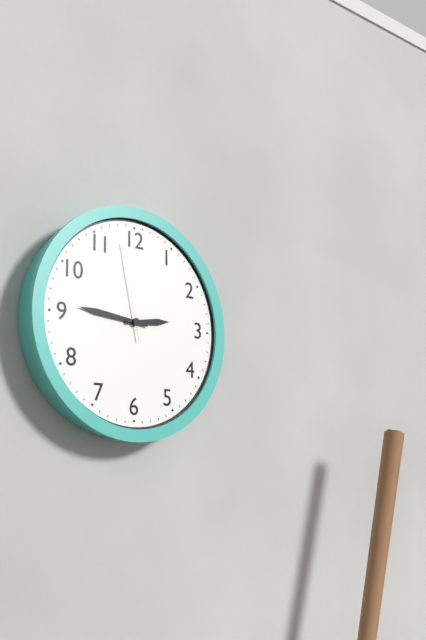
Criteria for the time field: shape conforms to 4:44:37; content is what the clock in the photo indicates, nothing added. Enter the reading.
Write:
2:46:58
